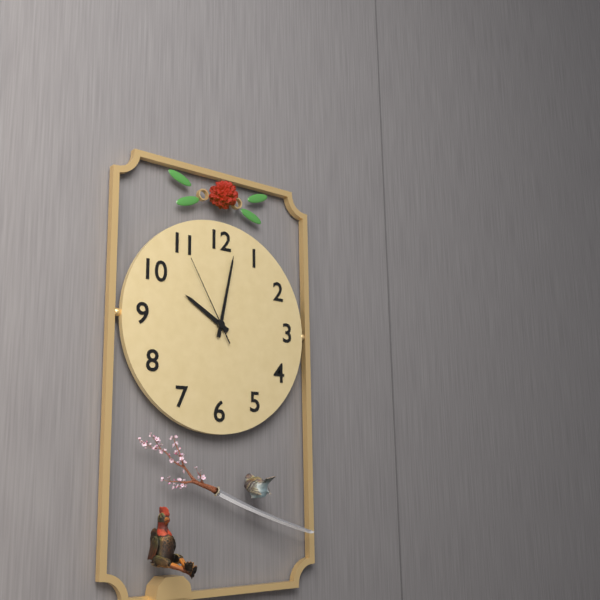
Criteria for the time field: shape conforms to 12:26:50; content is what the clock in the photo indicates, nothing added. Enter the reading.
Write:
10:02:55
